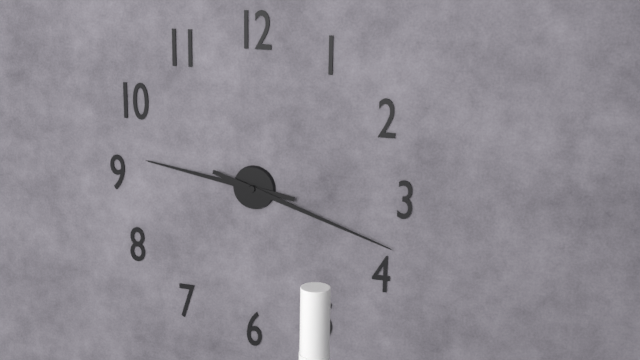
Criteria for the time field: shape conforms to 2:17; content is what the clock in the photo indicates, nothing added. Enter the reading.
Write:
9:18
